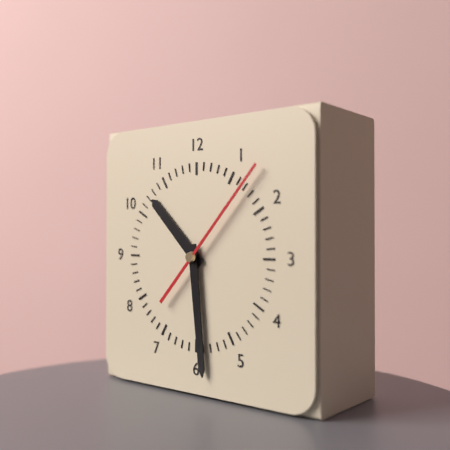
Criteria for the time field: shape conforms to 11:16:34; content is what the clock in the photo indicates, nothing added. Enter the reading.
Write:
10:29:07
